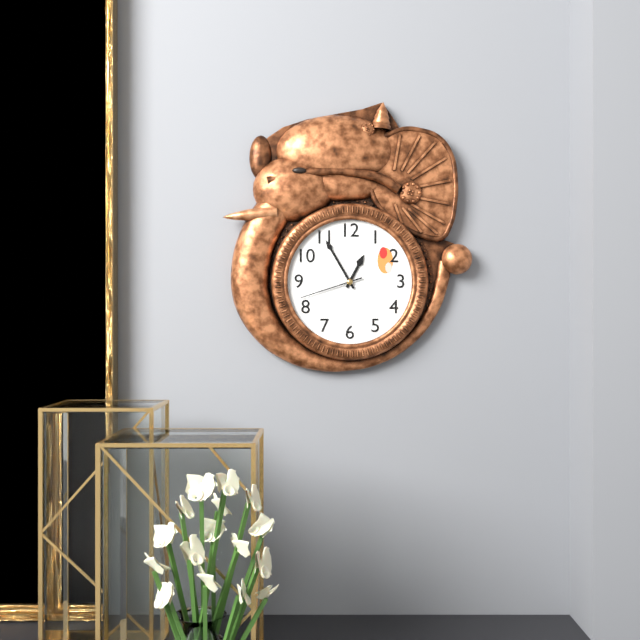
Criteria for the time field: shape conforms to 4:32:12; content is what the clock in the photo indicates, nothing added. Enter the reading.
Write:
12:55:42
